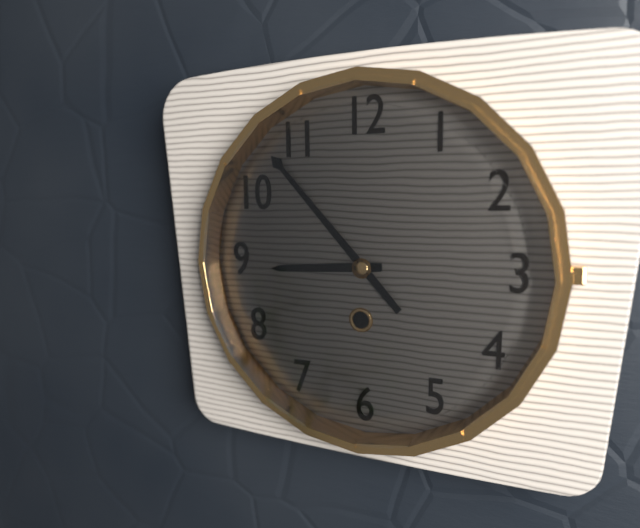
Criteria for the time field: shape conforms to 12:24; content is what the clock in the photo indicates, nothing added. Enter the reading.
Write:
8:53
